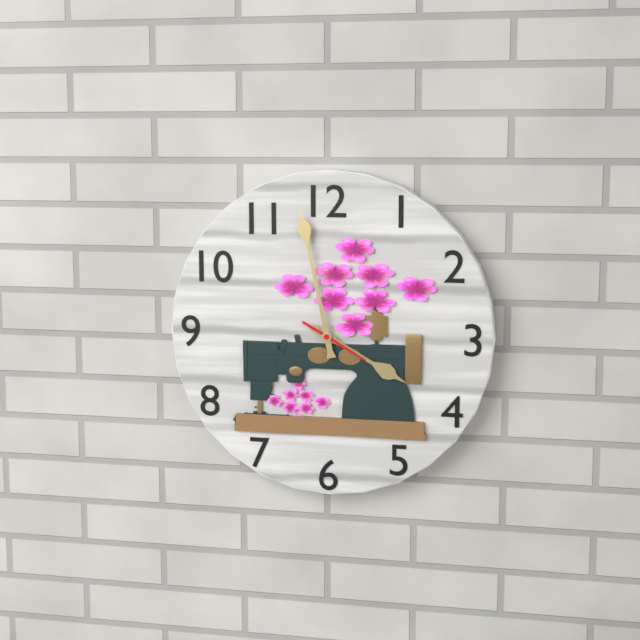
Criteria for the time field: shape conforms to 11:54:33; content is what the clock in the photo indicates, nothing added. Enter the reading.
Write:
3:58:20
